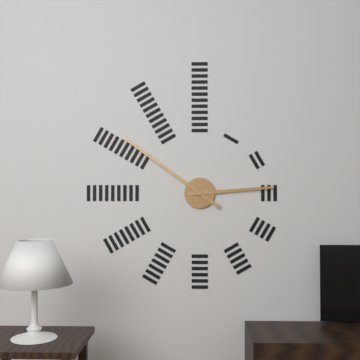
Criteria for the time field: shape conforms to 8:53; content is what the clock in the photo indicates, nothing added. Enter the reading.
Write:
2:51
